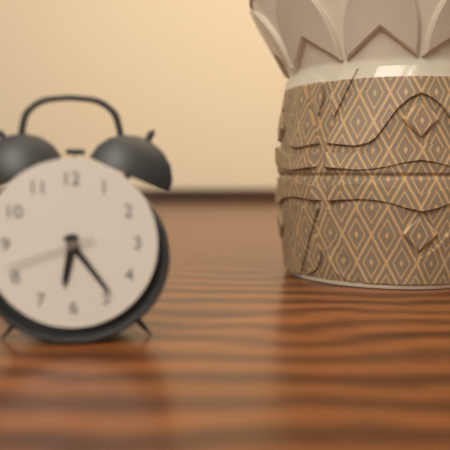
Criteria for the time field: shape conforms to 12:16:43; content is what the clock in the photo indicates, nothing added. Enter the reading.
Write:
6:24:42
